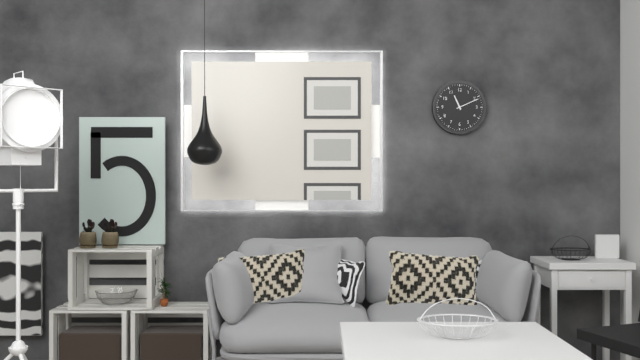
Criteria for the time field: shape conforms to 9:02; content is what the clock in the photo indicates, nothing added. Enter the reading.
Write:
11:11
